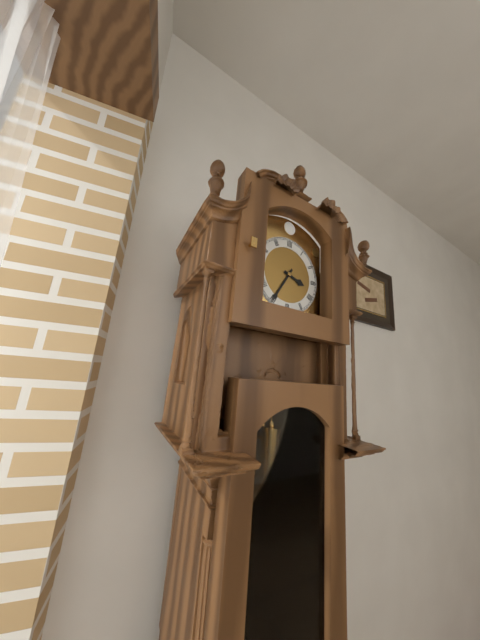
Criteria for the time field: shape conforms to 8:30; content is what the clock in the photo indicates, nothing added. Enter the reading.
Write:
3:35
